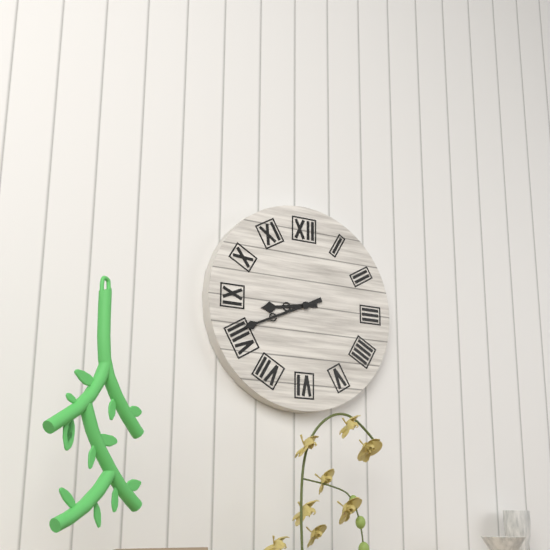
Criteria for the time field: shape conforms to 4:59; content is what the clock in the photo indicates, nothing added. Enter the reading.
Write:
8:41
